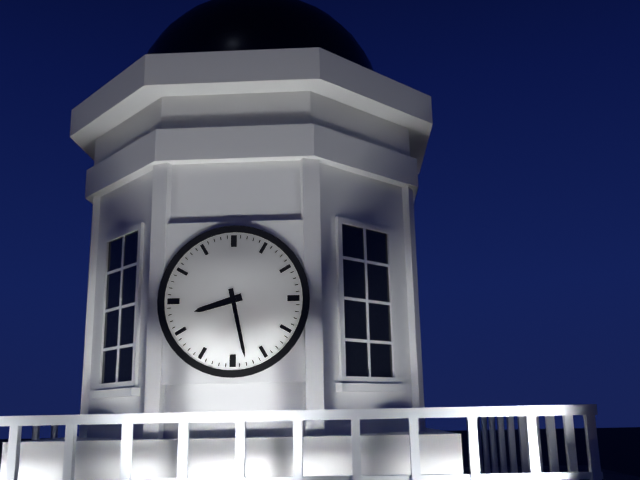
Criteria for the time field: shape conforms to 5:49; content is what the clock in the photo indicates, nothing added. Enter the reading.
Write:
8:28
